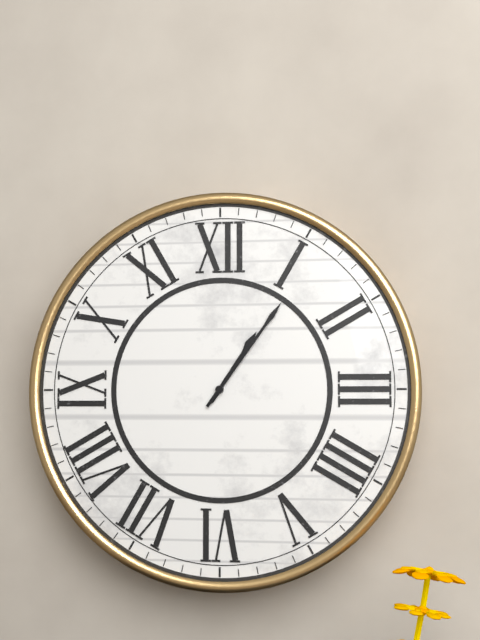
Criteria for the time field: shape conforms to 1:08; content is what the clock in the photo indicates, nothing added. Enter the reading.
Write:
1:06
